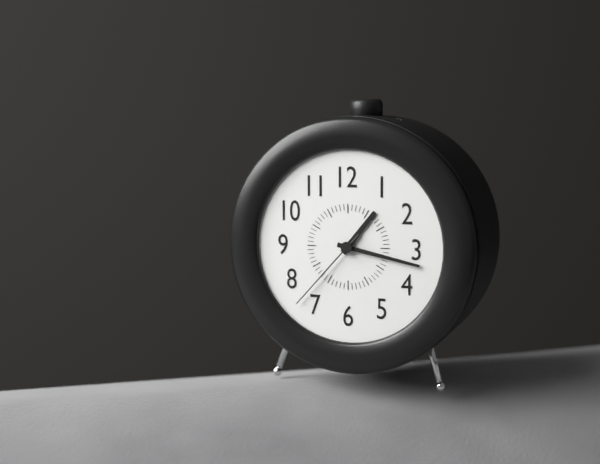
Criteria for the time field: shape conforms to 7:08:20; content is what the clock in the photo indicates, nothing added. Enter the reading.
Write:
1:17:37
